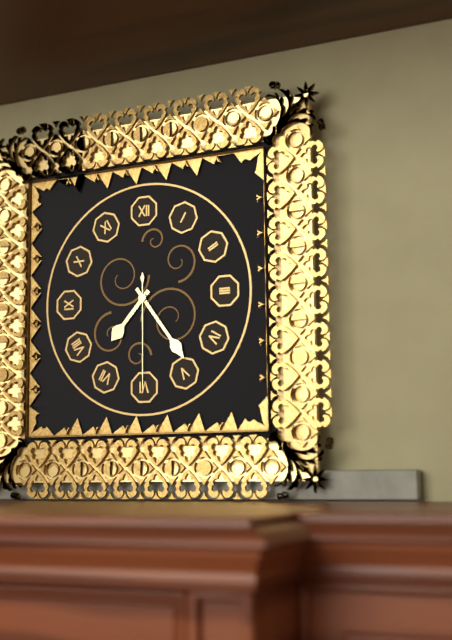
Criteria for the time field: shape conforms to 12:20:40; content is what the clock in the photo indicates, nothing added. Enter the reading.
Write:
7:24:30
